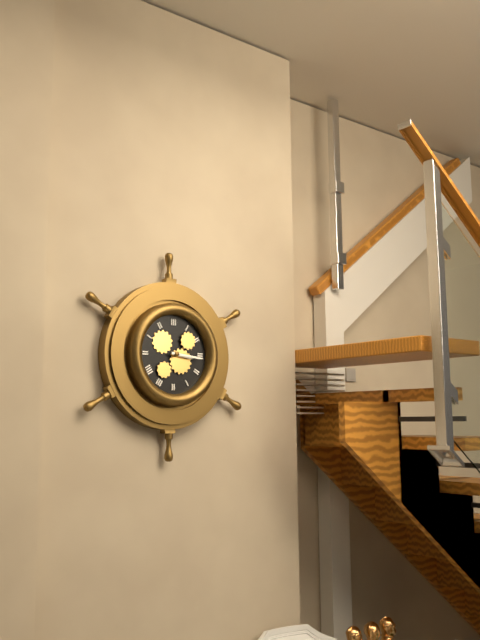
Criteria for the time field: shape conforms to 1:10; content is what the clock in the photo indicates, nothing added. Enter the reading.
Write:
3:16
